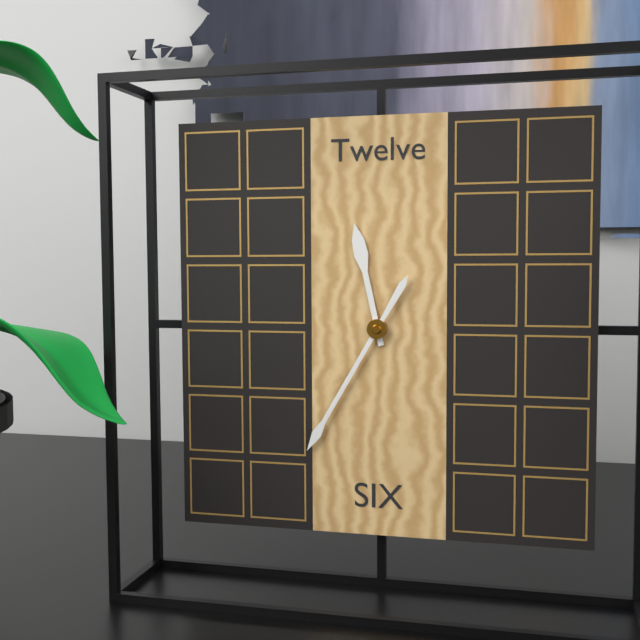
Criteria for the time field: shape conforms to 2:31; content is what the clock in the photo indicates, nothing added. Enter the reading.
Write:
11:35
